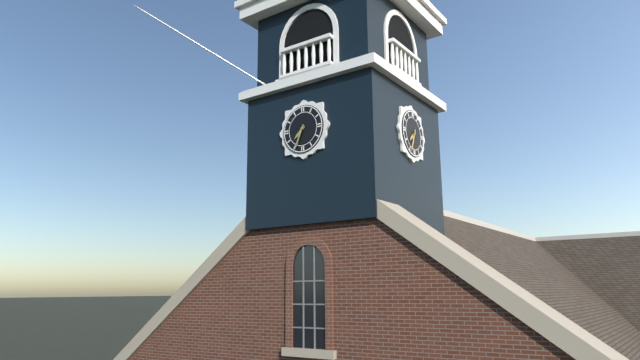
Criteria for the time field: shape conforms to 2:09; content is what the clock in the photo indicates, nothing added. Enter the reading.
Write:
7:34
